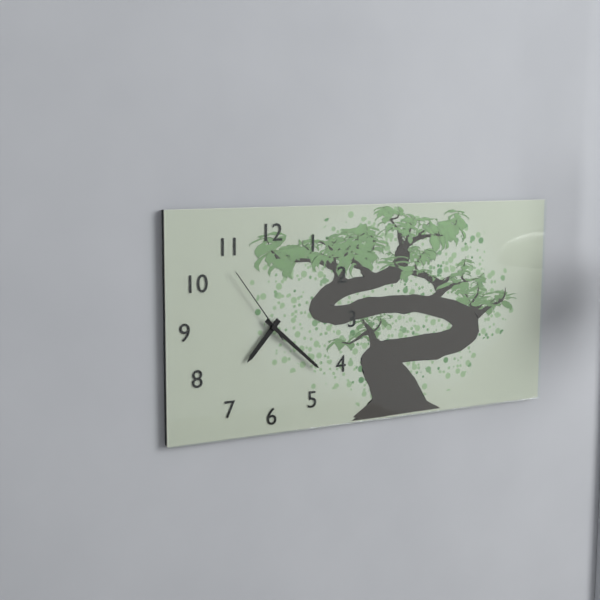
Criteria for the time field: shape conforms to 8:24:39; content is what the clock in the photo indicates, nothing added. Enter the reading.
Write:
7:22:54
